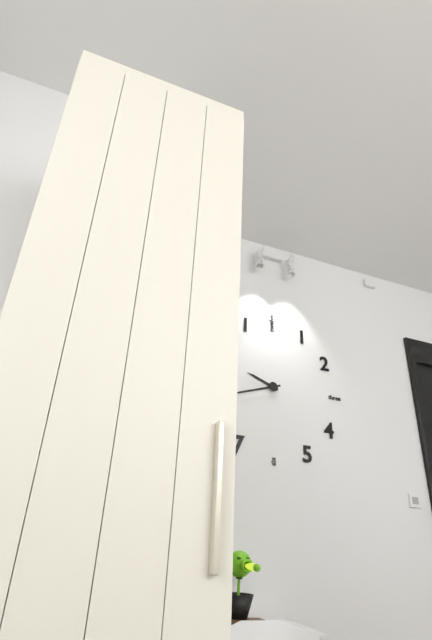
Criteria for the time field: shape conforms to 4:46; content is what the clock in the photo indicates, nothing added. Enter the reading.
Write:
9:42
